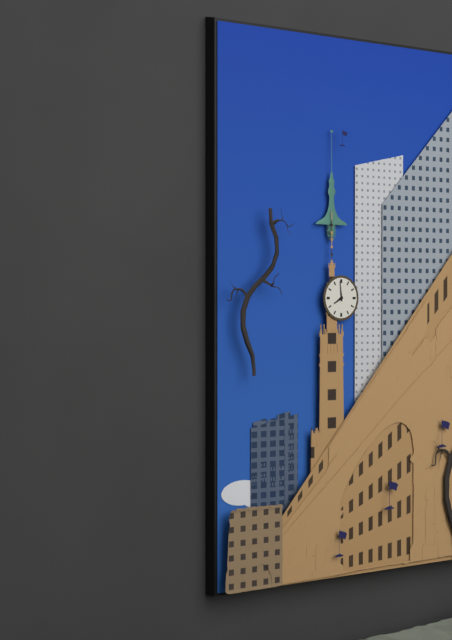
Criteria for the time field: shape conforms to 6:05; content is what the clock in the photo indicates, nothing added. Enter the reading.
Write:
7:59
